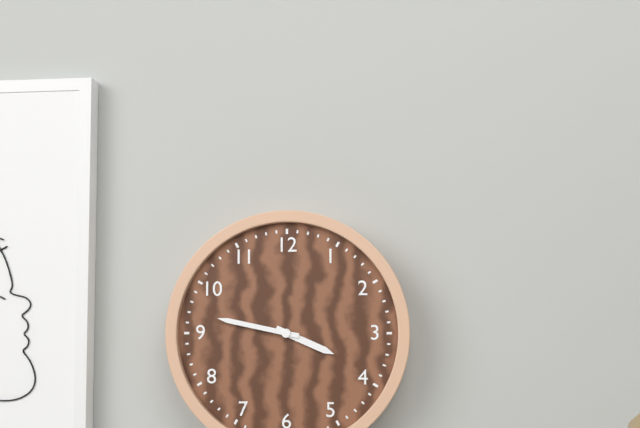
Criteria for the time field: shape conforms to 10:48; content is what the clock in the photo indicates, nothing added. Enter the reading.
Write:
3:47
